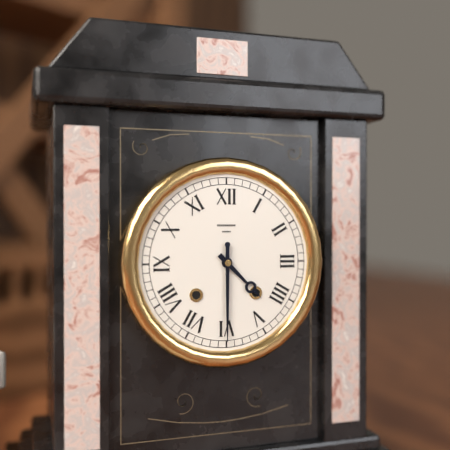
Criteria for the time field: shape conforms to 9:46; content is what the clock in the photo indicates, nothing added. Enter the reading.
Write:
4:30
